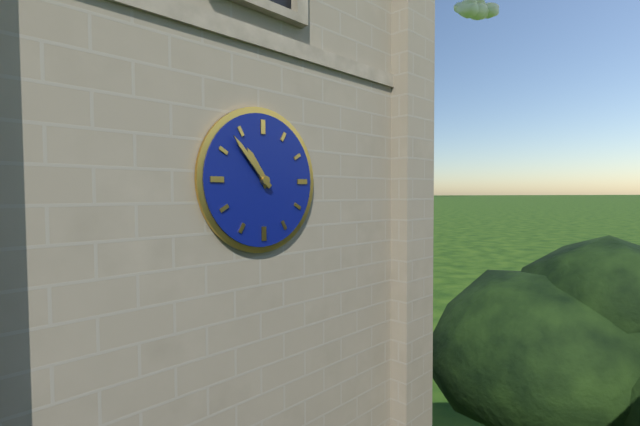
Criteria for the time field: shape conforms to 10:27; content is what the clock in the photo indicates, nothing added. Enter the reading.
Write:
10:53
